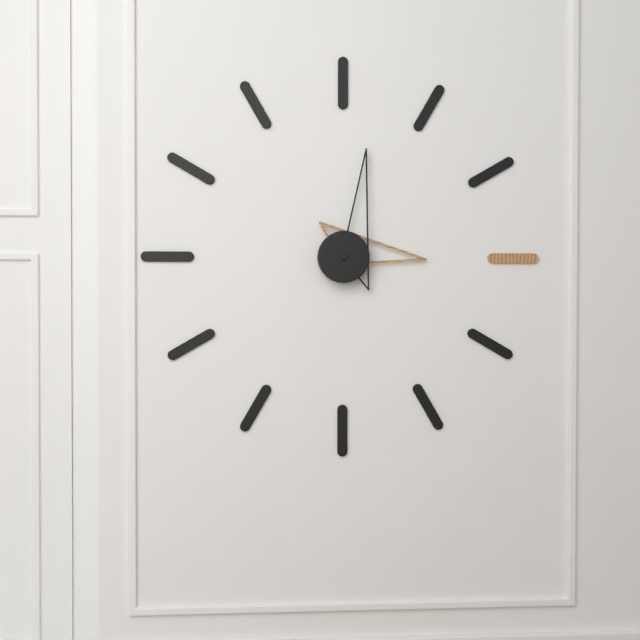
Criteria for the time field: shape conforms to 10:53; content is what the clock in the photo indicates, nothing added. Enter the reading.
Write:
3:02
